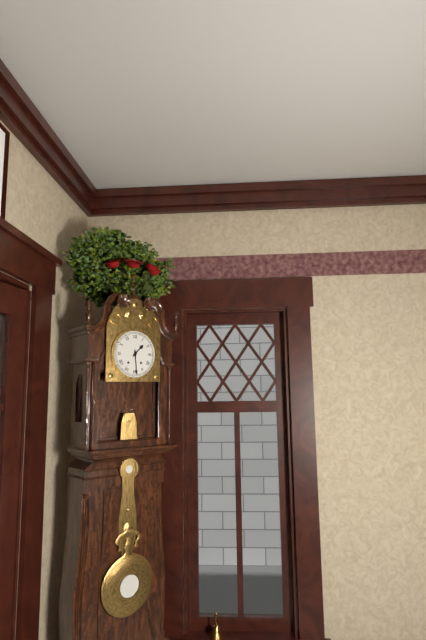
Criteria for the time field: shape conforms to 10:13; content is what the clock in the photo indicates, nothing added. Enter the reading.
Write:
1:29
